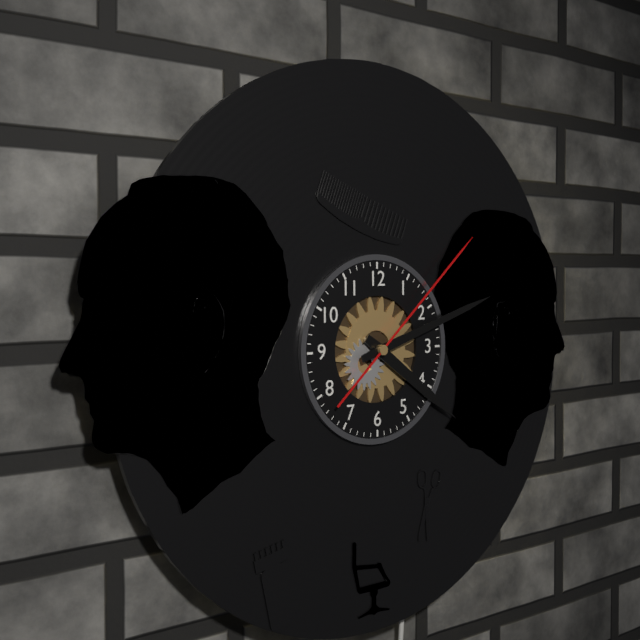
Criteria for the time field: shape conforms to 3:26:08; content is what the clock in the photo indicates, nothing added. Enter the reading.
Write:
4:12:08
